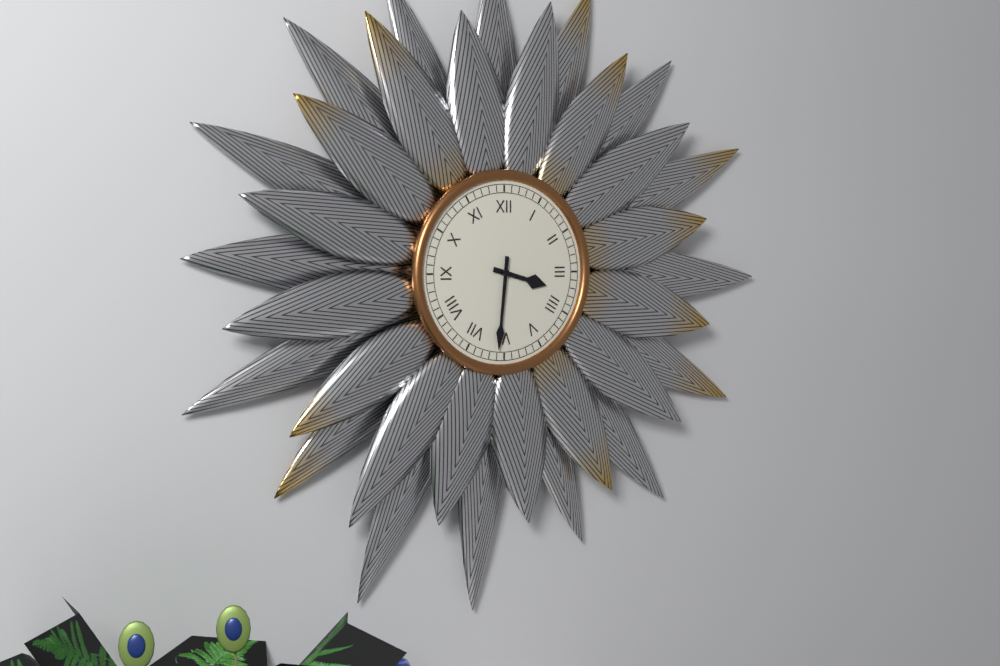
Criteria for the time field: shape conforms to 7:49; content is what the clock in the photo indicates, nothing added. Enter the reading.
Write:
3:31
